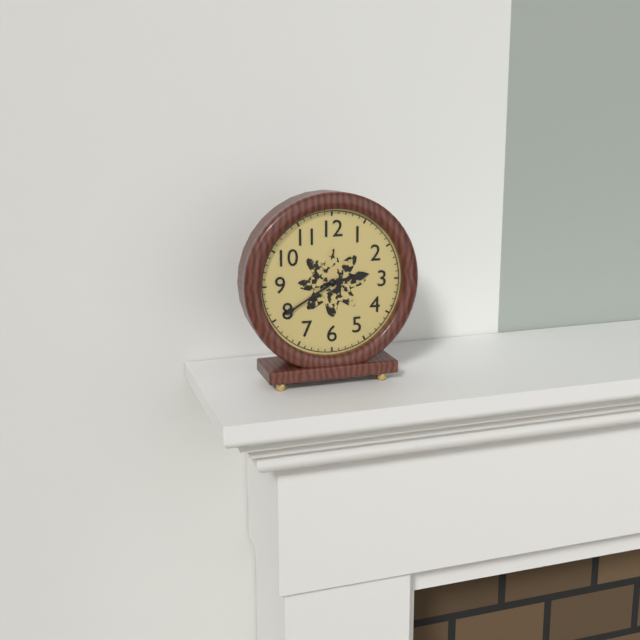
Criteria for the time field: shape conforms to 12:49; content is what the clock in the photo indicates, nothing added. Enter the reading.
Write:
2:40
